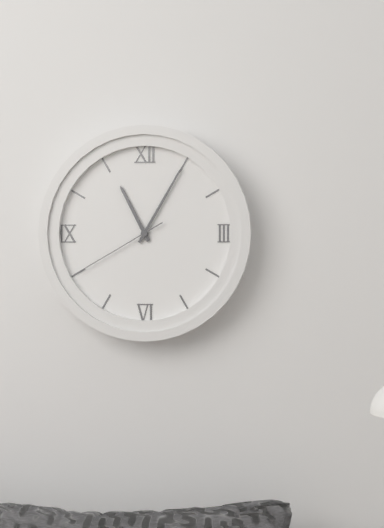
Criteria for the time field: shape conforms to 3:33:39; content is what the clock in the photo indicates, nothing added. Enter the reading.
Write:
11:05:40
